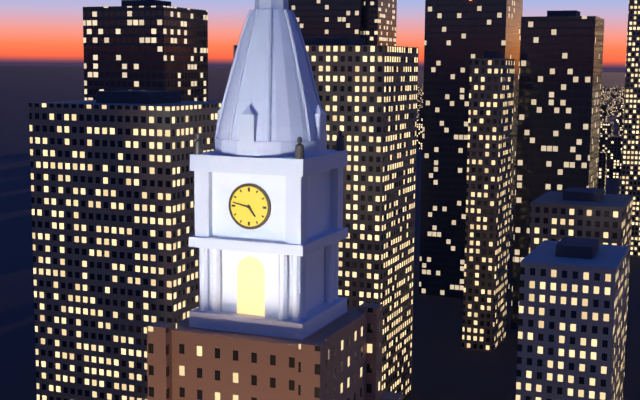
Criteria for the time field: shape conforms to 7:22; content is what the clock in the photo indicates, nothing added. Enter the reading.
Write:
4:47
